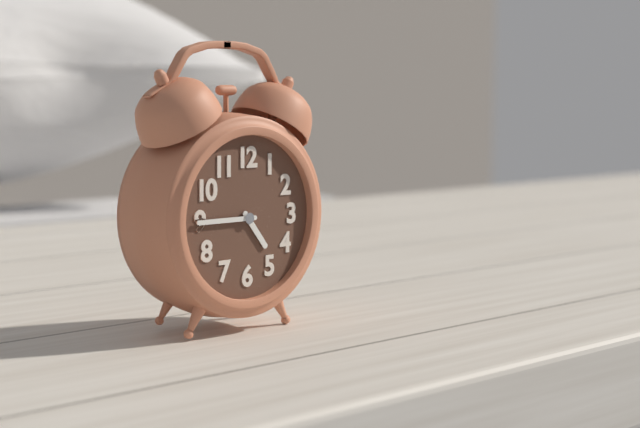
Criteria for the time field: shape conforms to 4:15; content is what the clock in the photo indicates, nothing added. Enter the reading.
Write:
4:45
